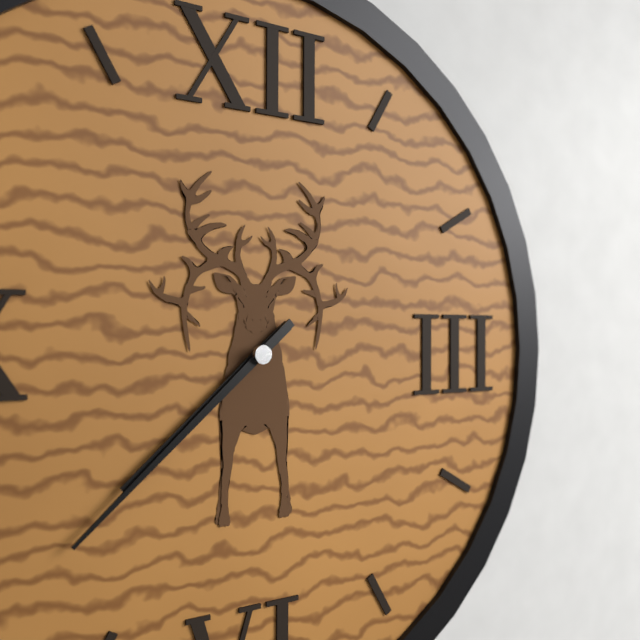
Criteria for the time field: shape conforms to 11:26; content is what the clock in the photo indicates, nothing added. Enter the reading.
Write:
7:38
